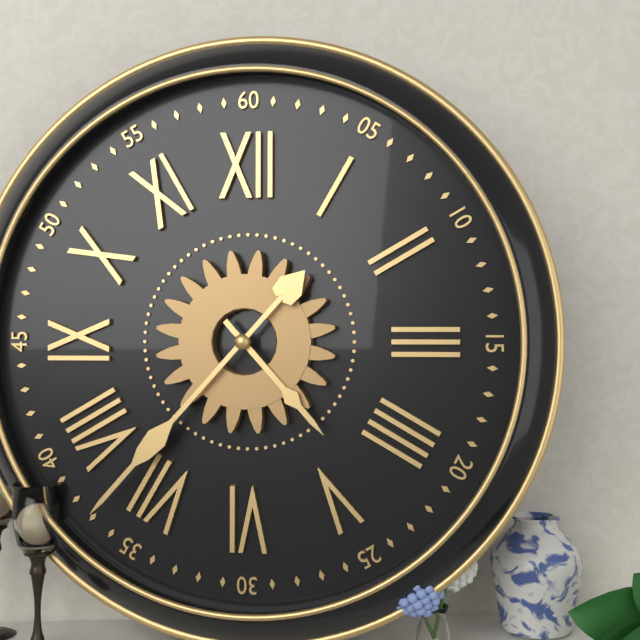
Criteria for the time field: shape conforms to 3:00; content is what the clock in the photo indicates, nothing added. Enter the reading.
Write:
4:37
